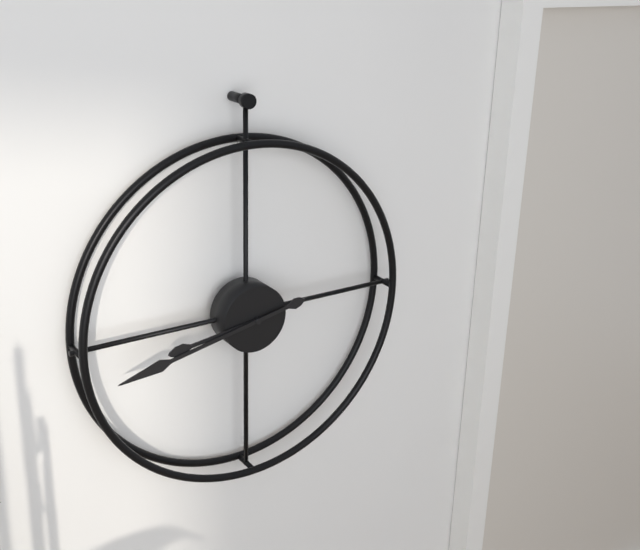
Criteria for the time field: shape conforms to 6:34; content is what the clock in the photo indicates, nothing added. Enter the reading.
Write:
8:43
